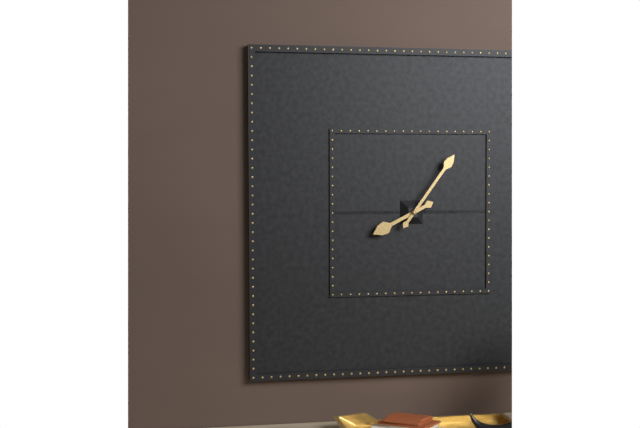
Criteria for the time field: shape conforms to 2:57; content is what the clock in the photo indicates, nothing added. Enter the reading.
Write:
8:06
